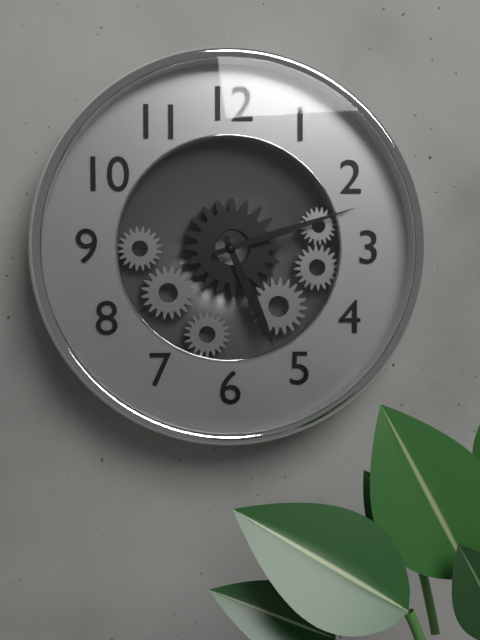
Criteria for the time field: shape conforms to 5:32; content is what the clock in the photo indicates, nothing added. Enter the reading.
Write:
5:12
